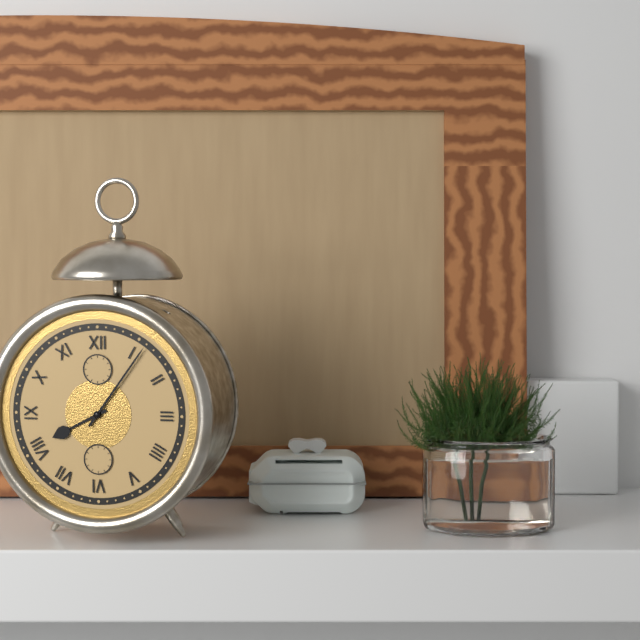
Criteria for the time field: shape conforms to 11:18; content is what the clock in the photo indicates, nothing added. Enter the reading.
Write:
8:06
